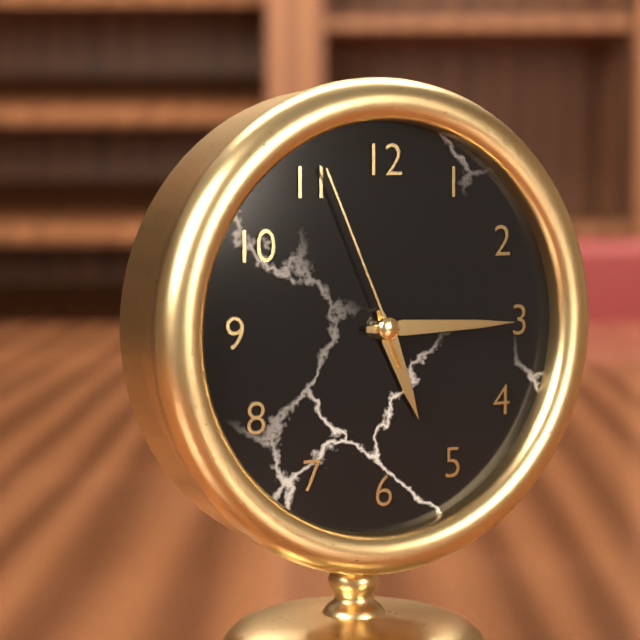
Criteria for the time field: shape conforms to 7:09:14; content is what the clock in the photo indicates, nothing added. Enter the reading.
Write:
5:15:56
